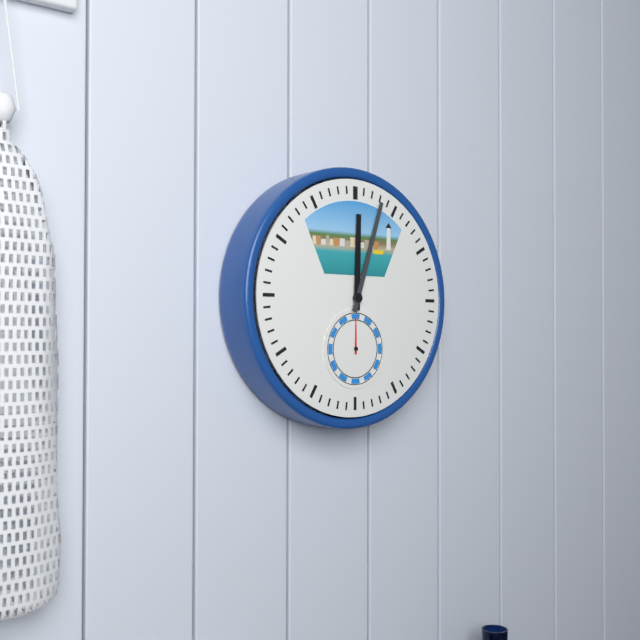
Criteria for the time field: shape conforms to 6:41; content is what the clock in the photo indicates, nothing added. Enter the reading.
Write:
12:03
